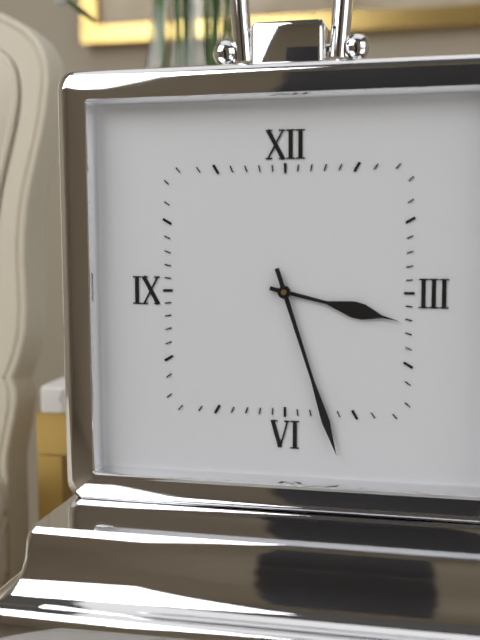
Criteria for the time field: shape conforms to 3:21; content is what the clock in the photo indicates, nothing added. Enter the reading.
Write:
3:27
